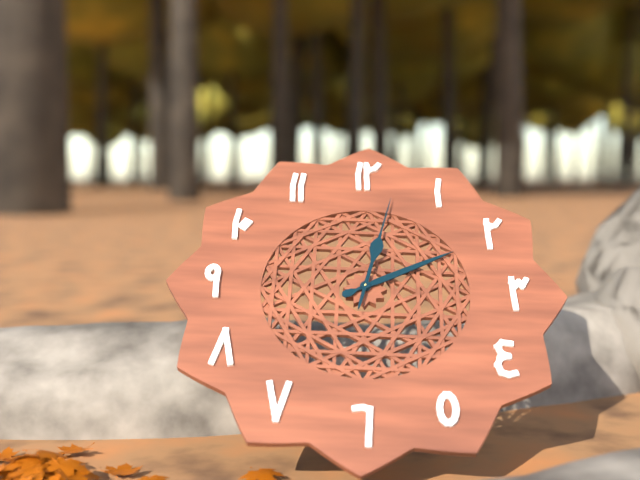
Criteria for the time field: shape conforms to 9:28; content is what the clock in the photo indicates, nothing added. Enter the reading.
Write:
2:02
